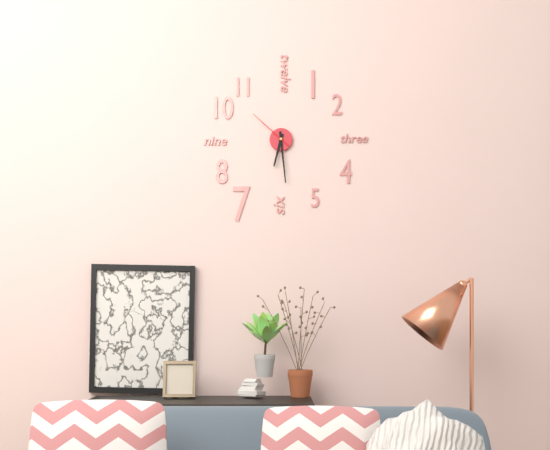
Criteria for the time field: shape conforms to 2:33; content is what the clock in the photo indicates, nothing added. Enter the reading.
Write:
6:29
